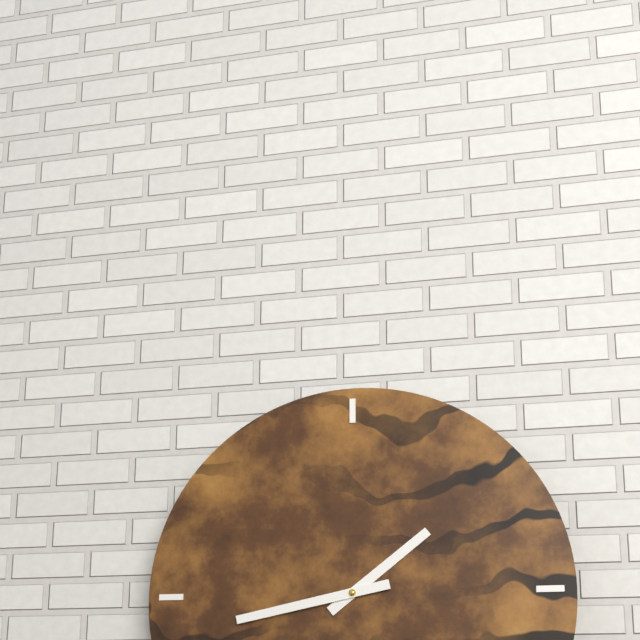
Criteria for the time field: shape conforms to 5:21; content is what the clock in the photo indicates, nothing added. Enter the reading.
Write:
1:43
